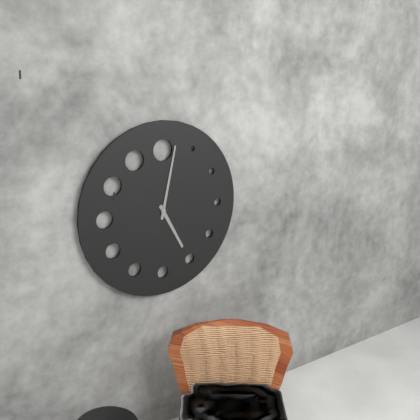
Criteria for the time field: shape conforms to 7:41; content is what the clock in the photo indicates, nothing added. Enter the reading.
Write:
5:02
